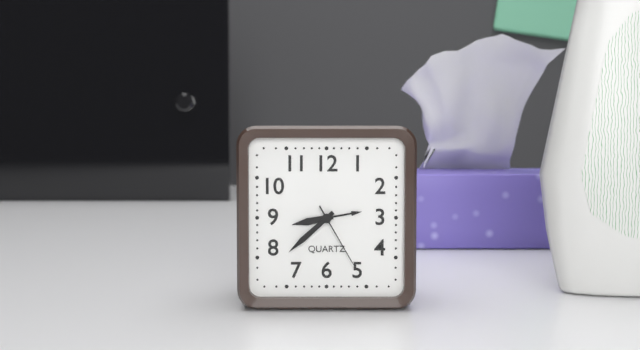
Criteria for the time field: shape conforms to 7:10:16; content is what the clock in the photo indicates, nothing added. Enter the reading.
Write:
8:38:25
